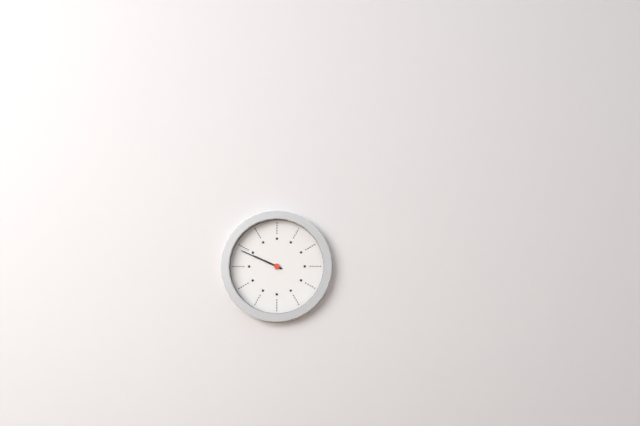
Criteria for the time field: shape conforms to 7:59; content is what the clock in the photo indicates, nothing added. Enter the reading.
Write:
9:49
